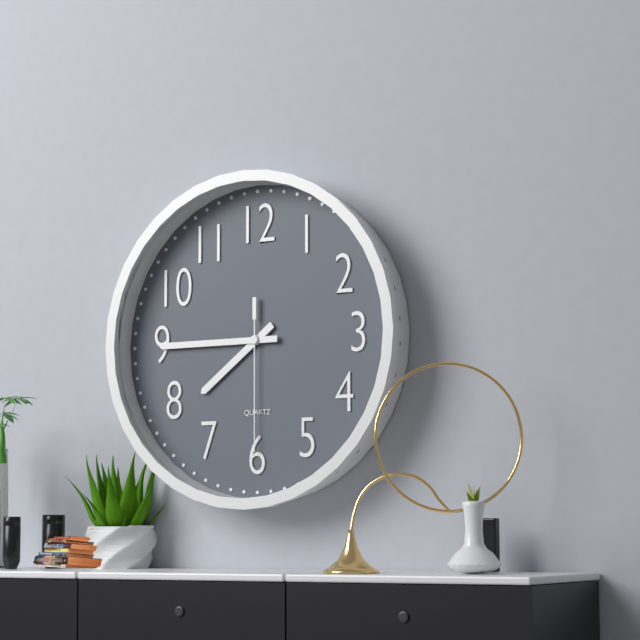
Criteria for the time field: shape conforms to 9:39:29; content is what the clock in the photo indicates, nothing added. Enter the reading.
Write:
7:45:30
